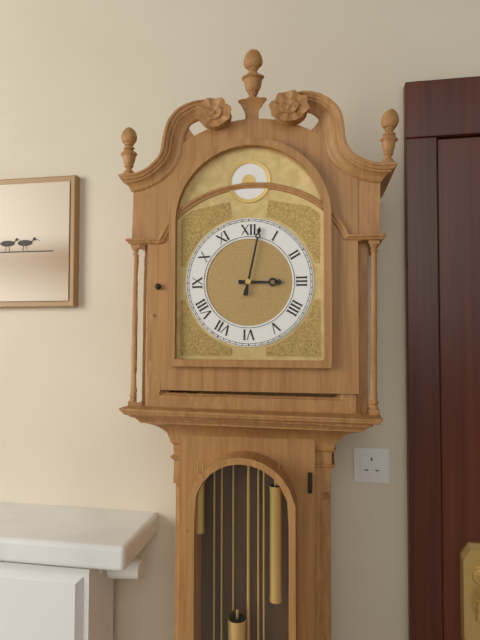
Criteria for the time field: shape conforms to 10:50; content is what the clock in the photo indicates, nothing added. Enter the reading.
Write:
3:02
